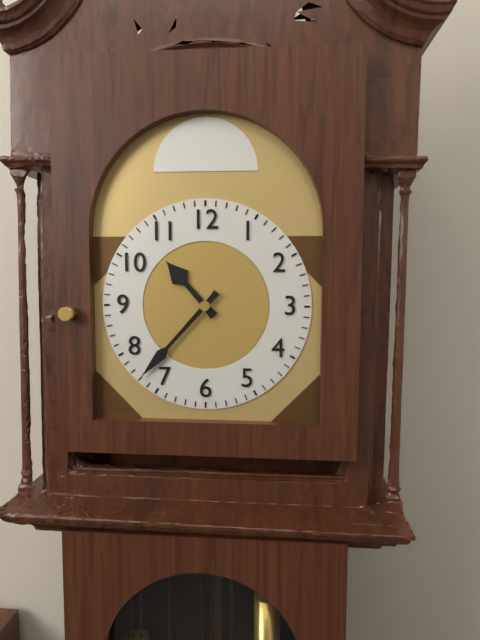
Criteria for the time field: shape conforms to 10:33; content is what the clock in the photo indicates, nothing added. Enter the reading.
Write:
10:37
